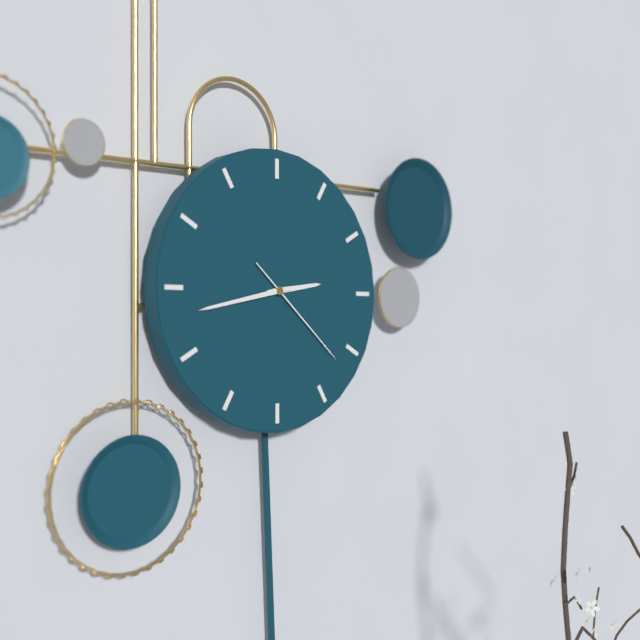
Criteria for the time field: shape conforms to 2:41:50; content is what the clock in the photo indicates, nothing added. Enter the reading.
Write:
2:43:22
